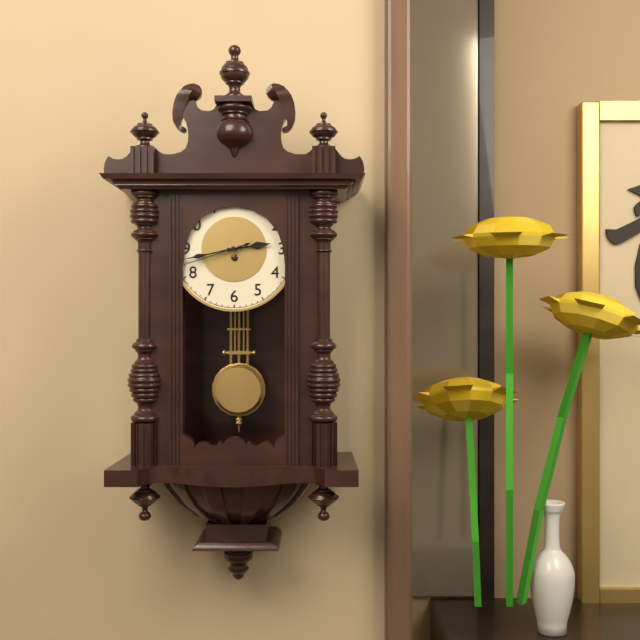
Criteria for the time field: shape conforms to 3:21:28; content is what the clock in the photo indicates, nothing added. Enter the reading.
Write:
2:43:42
